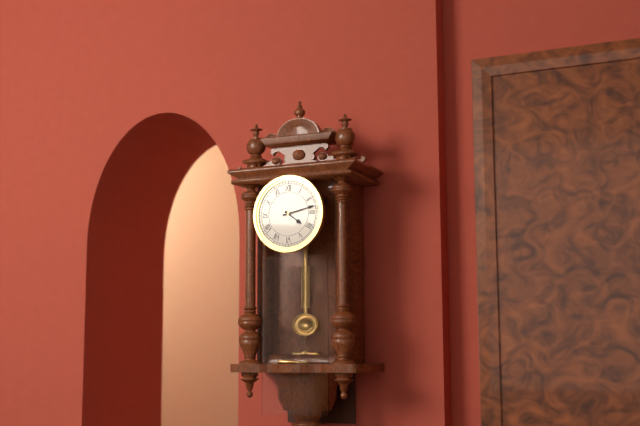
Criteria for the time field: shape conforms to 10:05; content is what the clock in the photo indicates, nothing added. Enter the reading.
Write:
4:13
